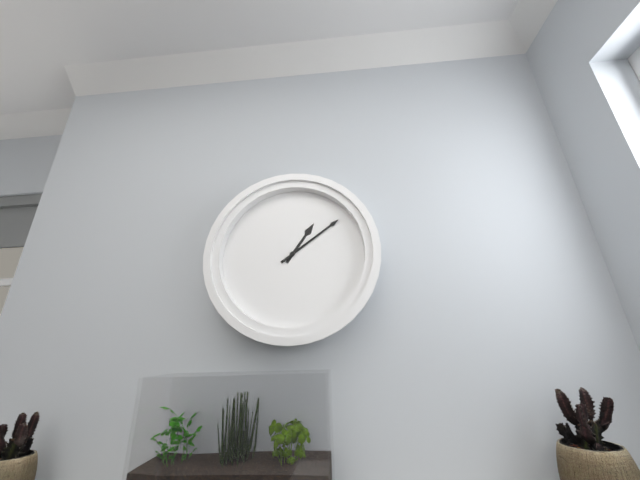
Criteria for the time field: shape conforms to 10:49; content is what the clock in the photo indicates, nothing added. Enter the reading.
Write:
1:09
